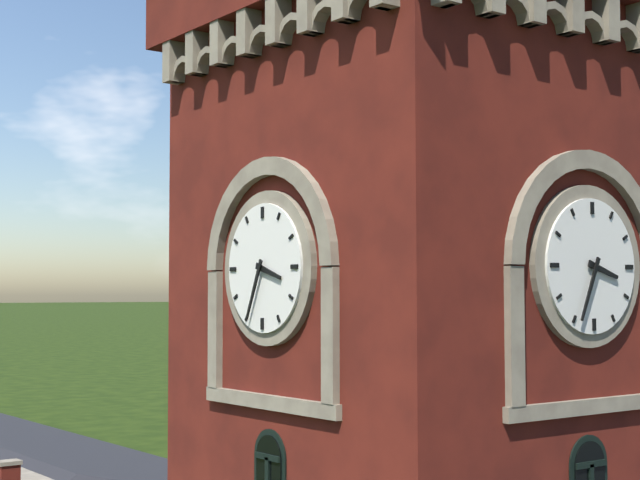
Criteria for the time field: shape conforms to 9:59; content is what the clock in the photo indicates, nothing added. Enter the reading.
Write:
3:34
